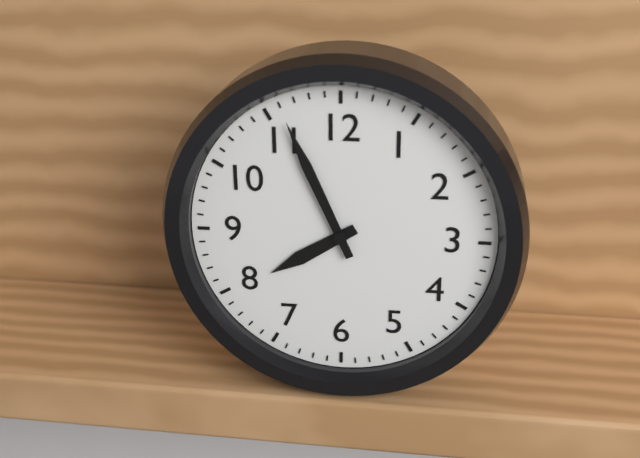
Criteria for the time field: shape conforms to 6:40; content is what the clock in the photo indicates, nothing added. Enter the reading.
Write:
7:56
